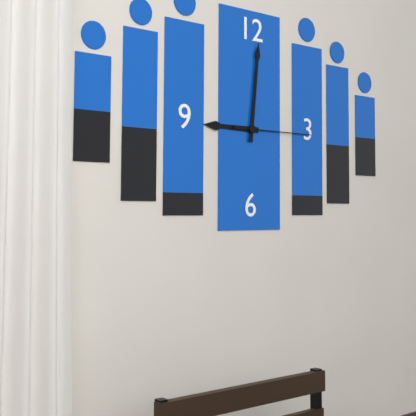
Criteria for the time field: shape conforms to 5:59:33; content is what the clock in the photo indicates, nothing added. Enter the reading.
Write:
9:01:15
